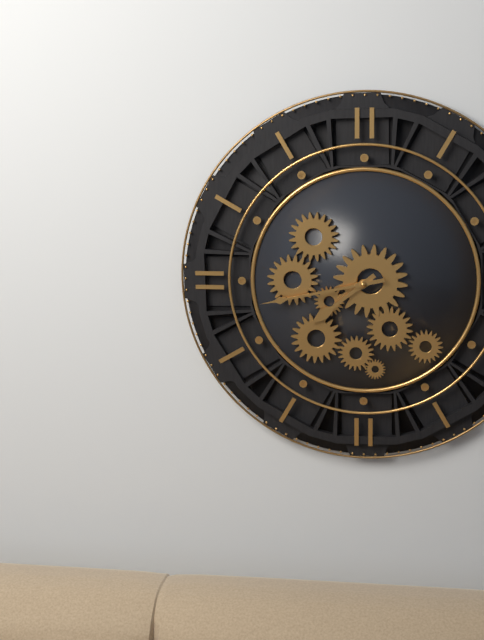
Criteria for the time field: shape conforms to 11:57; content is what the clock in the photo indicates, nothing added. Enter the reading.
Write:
7:43
